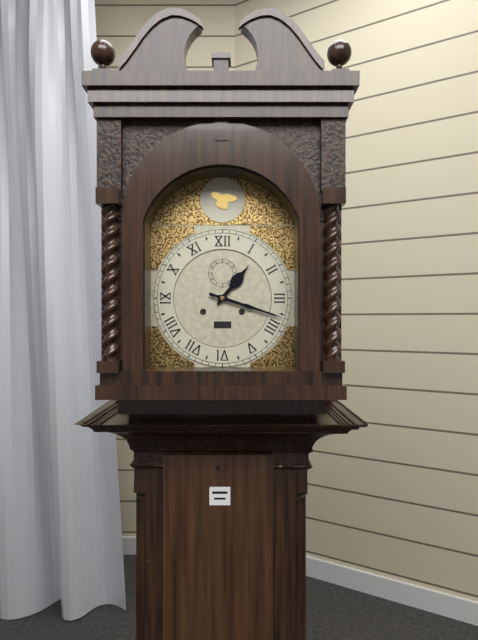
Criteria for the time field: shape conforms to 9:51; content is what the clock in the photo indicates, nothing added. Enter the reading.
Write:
1:18
